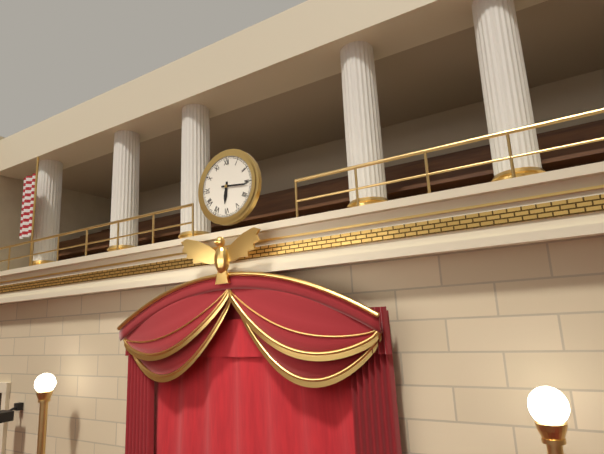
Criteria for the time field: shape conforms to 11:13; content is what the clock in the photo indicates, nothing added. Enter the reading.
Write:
6:16
